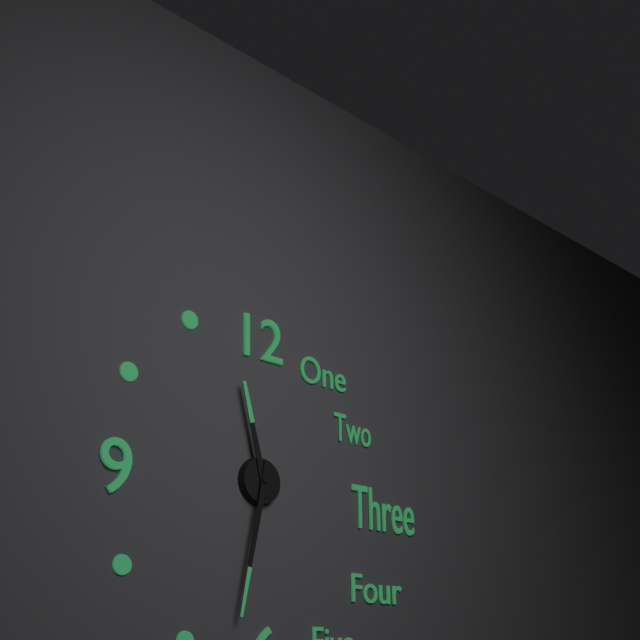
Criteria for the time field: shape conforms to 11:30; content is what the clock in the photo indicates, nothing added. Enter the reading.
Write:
11:32
